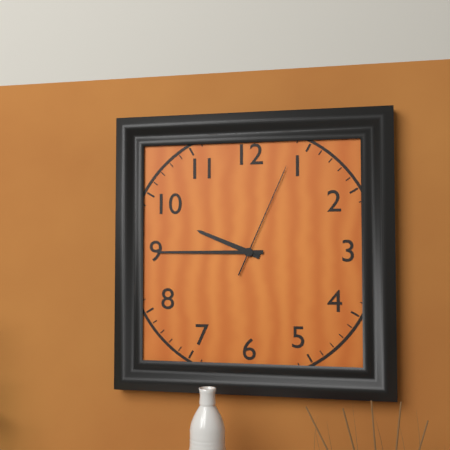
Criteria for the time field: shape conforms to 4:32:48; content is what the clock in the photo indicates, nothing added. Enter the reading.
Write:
9:45:04
